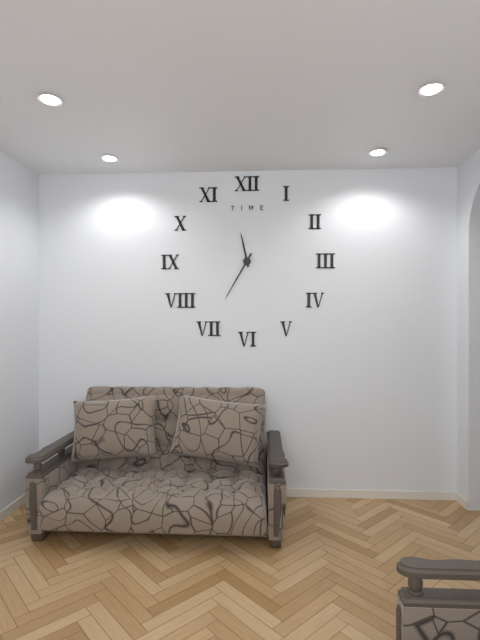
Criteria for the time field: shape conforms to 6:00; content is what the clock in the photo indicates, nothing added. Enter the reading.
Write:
11:35
